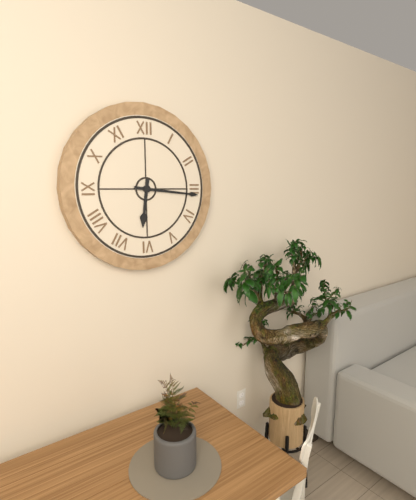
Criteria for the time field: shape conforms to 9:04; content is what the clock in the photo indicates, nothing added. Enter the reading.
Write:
6:16
